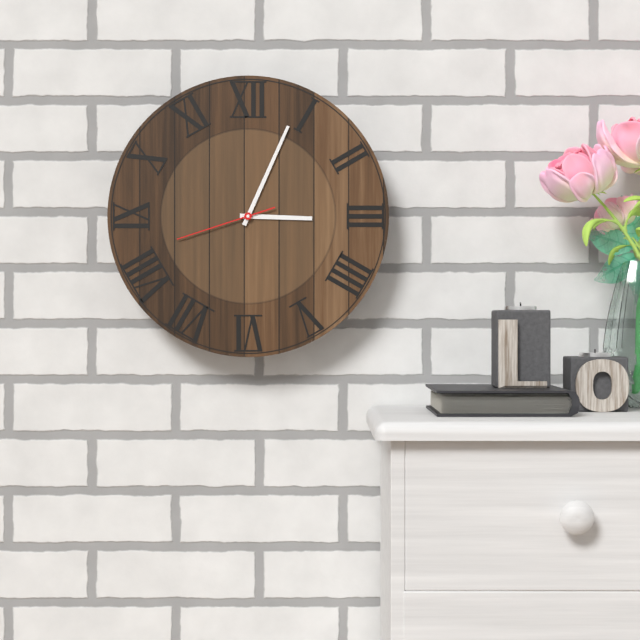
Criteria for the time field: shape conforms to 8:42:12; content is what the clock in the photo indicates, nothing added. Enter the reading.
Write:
3:04:42
